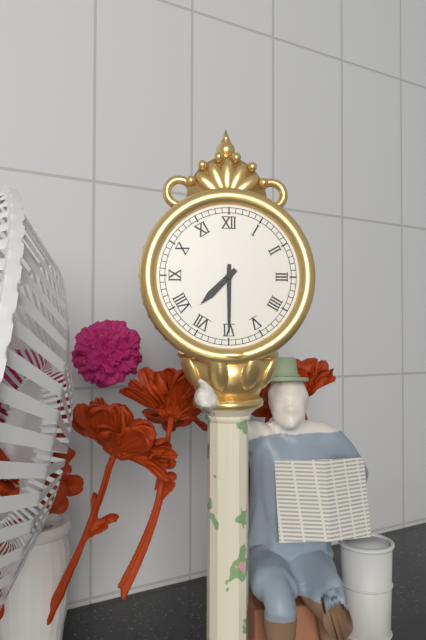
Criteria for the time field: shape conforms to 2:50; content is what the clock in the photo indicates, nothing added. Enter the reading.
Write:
7:30
